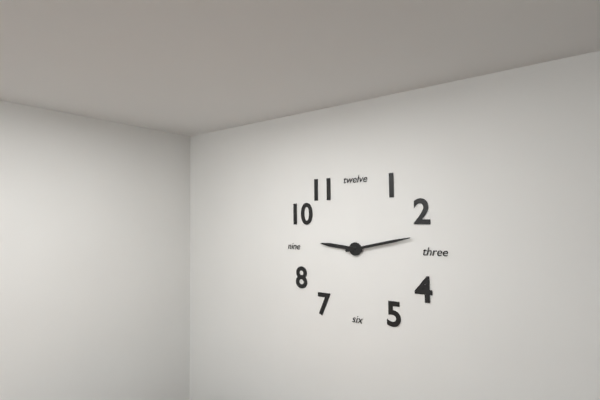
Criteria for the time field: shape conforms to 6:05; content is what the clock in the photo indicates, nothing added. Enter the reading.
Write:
9:13
